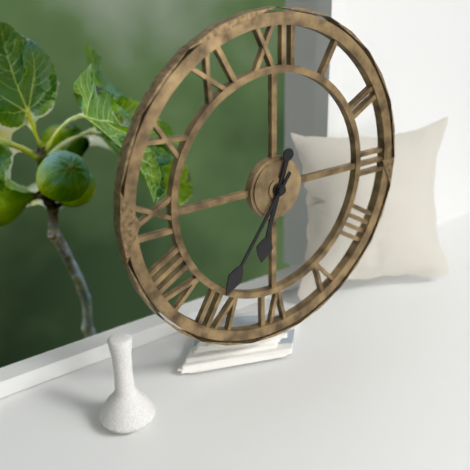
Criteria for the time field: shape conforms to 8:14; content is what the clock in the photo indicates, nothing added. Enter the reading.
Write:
6:36
